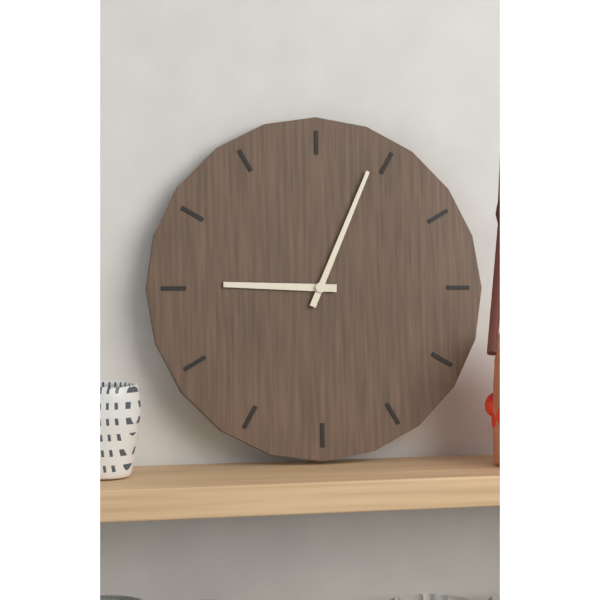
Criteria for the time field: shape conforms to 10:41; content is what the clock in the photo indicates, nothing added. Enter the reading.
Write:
9:04
